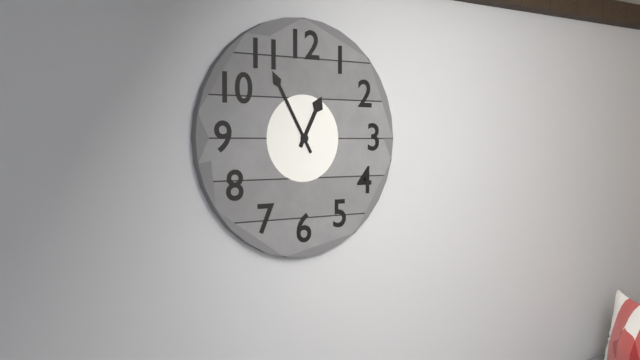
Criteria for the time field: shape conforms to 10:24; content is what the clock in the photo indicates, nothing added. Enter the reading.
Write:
12:55
